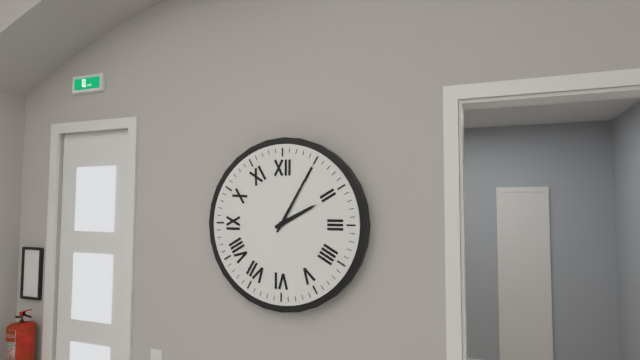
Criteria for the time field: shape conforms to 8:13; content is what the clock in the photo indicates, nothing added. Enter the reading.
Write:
2:05
